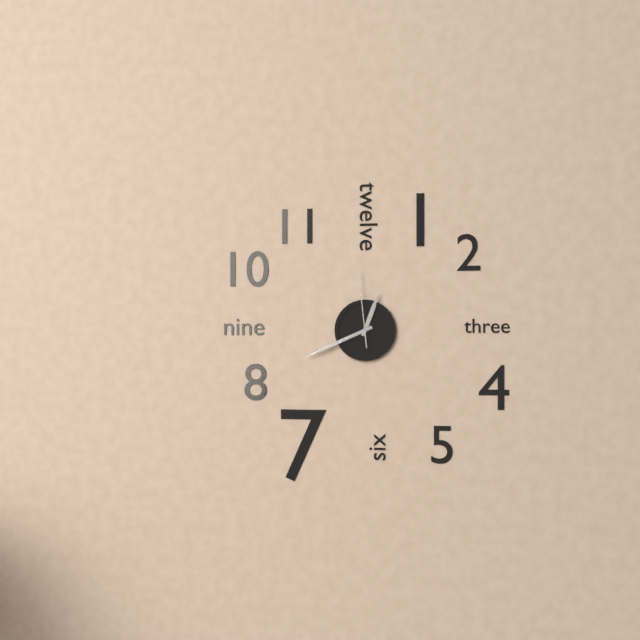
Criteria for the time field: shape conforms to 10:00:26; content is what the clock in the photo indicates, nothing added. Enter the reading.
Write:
12:41:59
